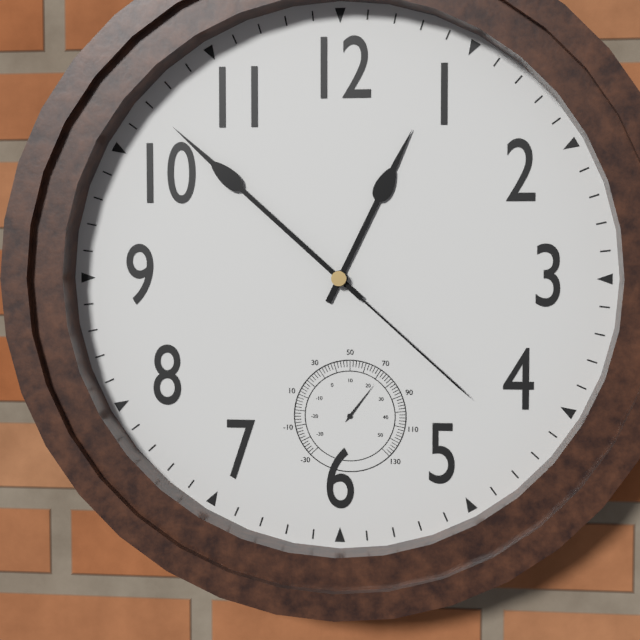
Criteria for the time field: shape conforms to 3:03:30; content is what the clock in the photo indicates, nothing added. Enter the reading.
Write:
12:52:22
